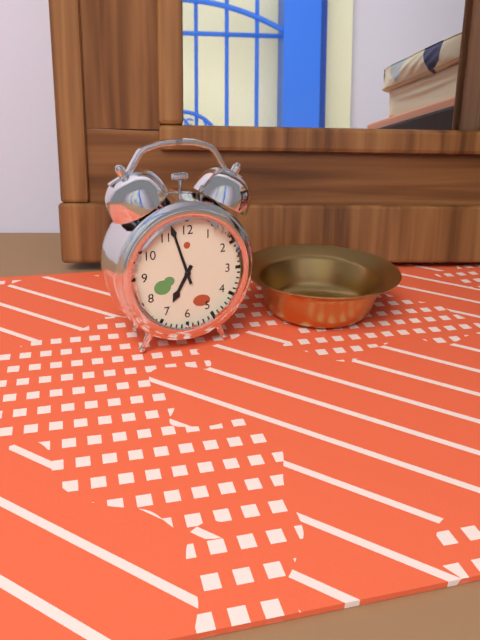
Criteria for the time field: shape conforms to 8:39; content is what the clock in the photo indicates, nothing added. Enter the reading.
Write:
6:57
